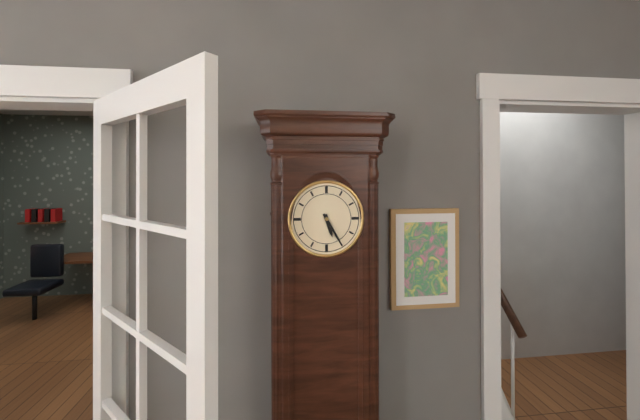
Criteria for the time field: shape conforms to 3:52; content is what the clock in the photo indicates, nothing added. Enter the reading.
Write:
5:25
